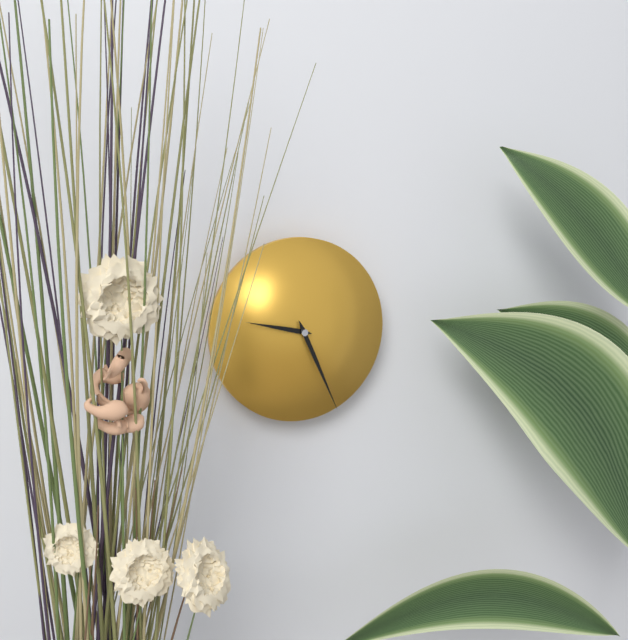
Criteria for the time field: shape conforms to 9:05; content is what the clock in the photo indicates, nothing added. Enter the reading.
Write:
9:26
